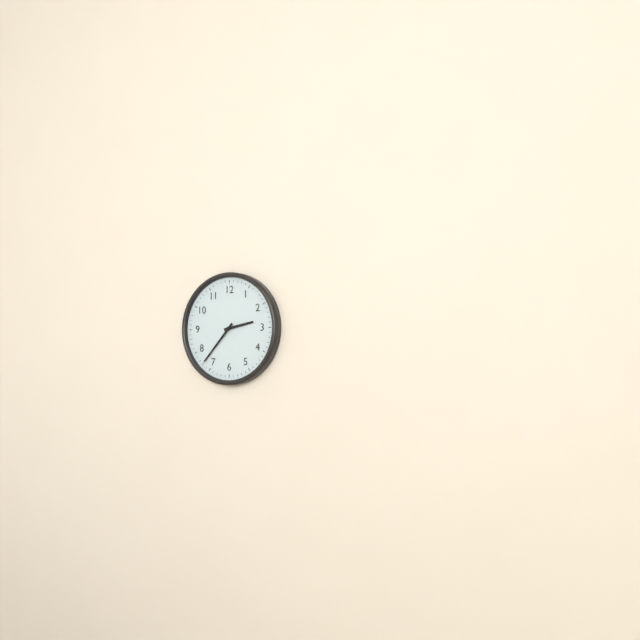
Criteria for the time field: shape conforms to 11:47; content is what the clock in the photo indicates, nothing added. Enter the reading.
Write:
2:37
